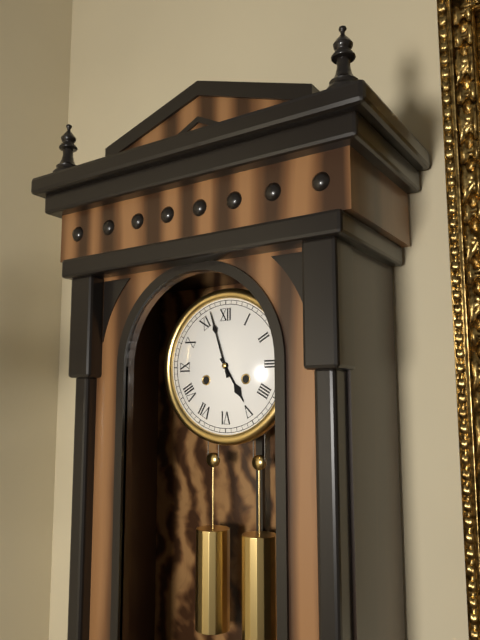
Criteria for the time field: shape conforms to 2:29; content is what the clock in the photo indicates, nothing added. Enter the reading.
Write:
4:57
